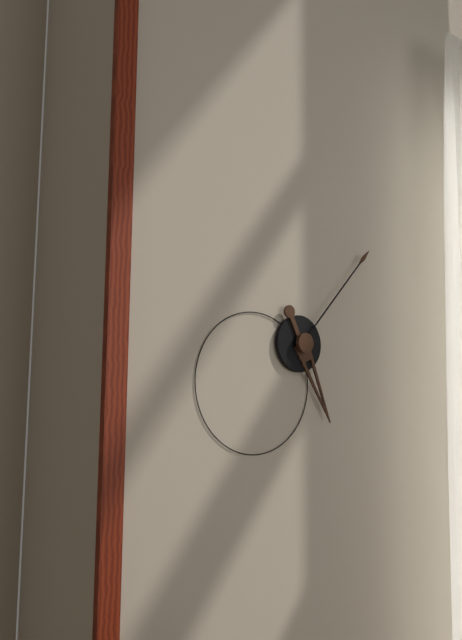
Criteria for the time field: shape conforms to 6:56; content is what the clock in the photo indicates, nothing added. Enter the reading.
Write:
5:07
